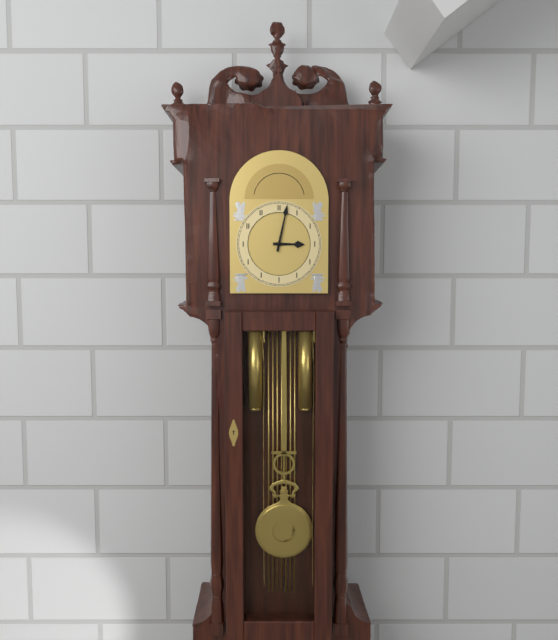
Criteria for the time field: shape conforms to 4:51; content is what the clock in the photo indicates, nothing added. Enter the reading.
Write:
3:02
